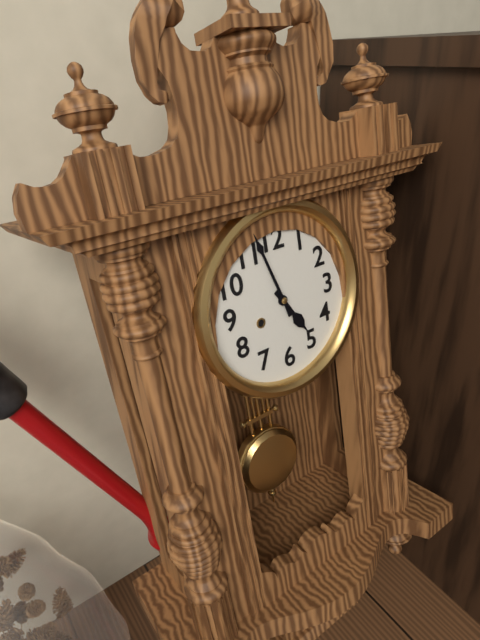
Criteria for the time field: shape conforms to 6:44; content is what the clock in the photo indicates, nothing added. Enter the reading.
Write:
4:57
